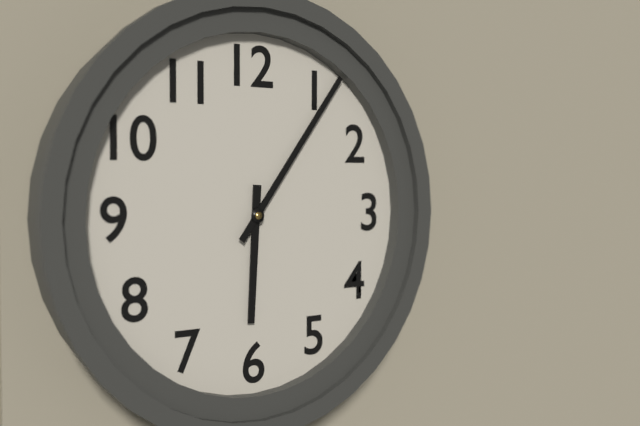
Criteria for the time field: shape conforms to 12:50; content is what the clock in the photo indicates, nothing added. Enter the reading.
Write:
6:06
